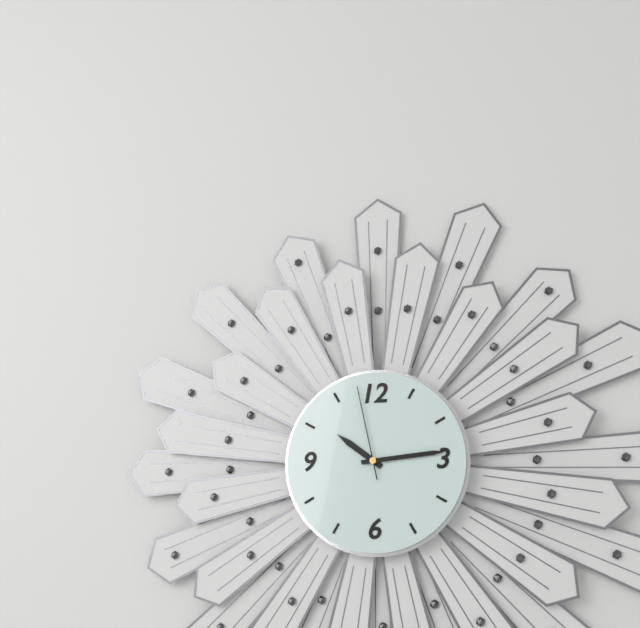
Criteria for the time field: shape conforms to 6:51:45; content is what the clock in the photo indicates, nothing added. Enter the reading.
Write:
10:14:58
